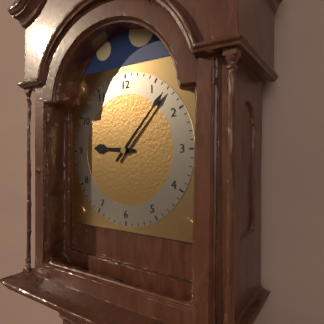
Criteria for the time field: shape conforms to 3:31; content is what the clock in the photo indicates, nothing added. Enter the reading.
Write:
9:07
